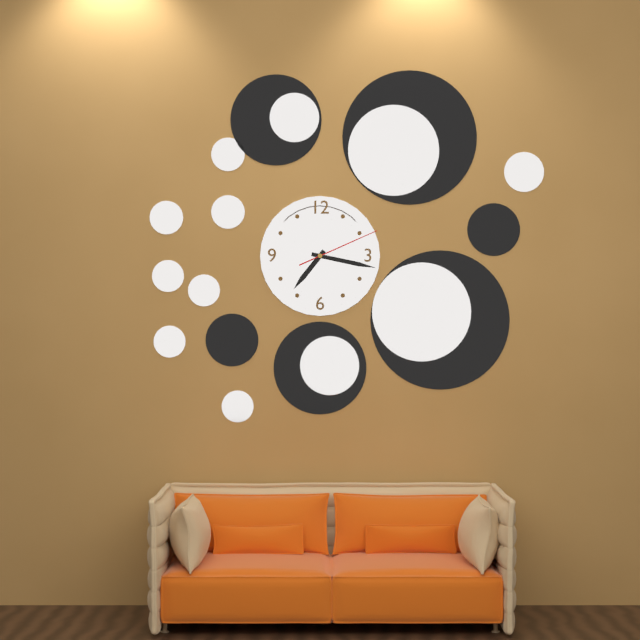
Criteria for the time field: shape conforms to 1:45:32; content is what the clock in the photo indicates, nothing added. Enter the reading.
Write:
7:17:11
